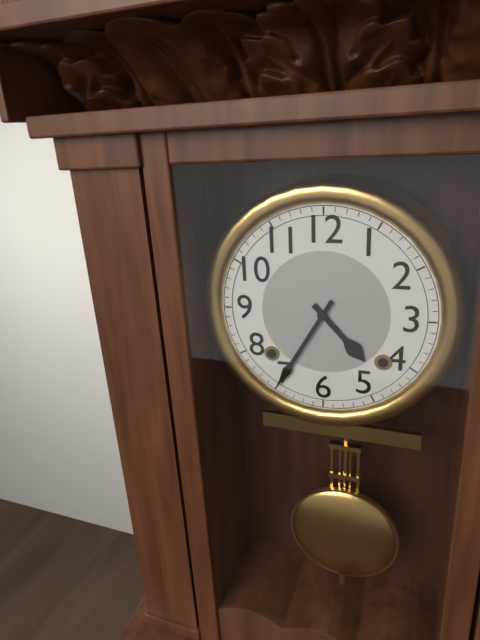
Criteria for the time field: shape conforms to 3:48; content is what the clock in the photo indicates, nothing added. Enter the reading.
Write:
4:35
